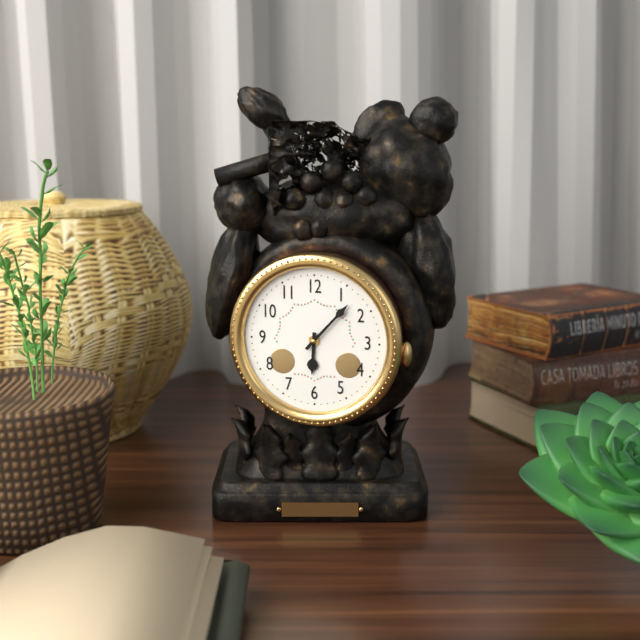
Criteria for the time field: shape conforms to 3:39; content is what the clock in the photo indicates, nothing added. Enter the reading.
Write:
6:07
